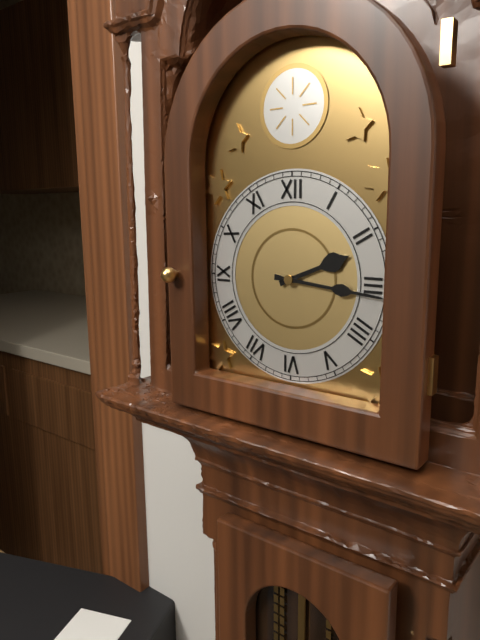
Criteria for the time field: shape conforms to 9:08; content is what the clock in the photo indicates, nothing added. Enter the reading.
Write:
2:16
